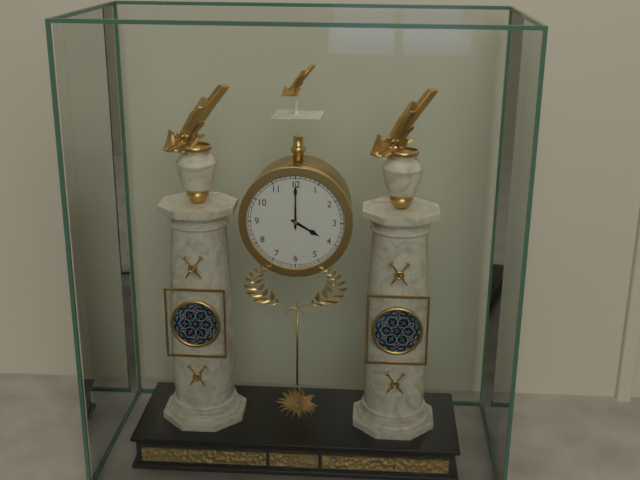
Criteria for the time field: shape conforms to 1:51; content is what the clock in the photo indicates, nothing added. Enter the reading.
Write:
4:00
